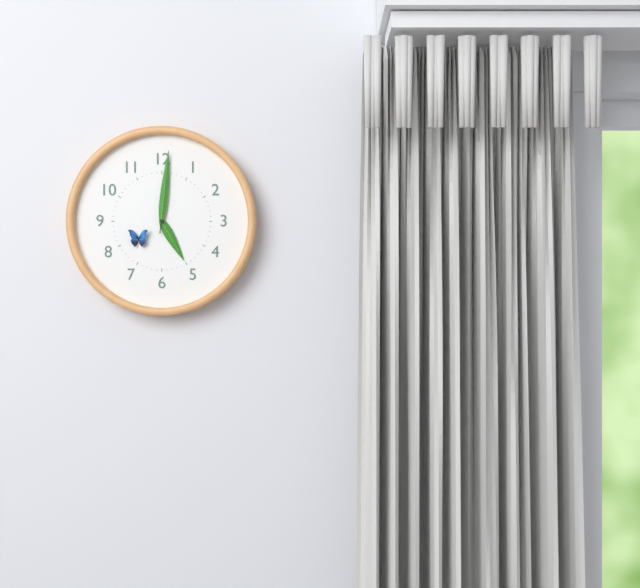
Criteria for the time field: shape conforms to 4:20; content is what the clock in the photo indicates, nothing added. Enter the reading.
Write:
5:01
